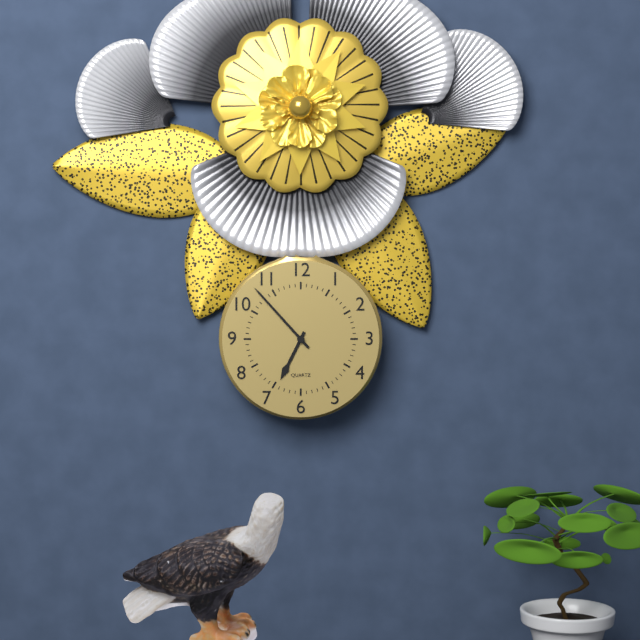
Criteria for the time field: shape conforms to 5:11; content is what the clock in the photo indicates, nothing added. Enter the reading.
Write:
6:53
